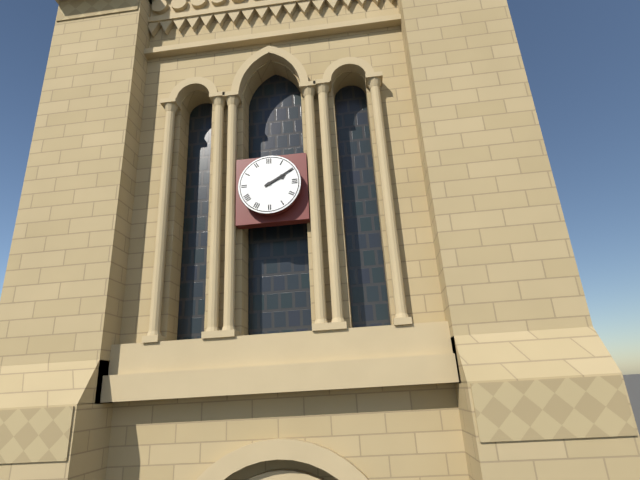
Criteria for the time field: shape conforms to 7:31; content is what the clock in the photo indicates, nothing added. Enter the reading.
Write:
2:10
